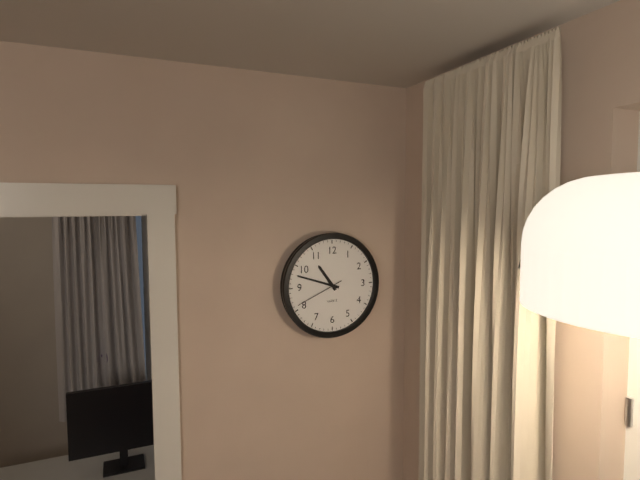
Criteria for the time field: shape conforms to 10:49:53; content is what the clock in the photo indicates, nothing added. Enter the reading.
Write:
10:48:41
